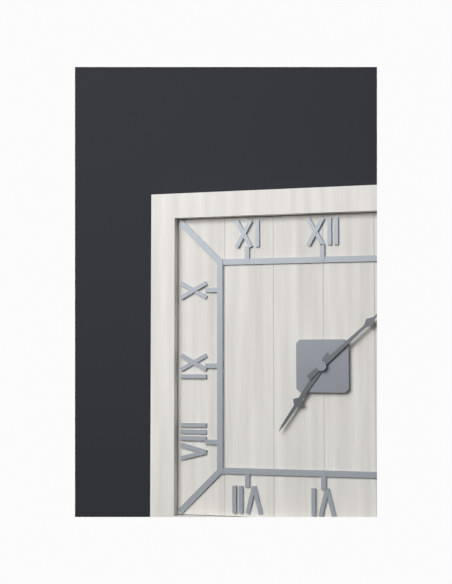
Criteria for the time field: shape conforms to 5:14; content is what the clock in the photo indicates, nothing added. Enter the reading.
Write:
7:08
